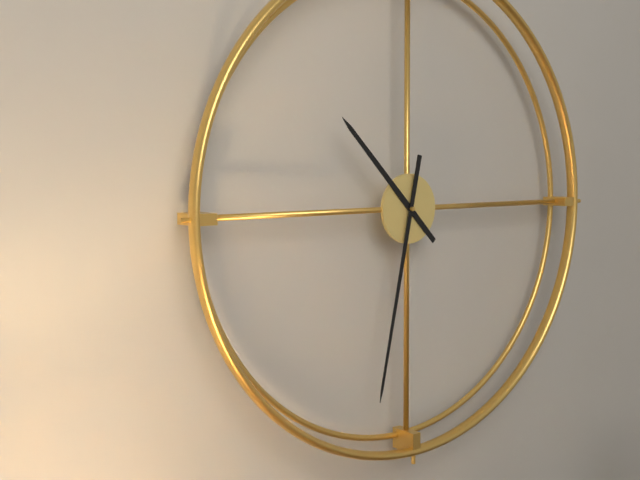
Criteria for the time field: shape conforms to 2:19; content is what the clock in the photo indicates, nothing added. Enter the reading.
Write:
10:32
